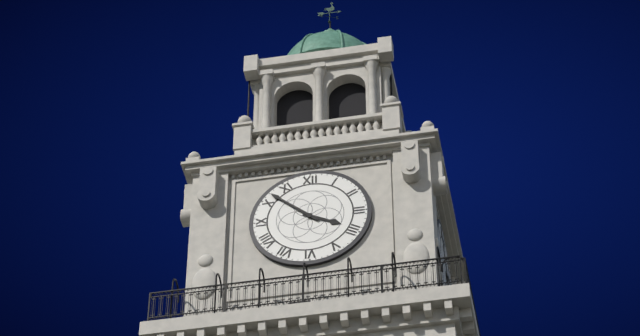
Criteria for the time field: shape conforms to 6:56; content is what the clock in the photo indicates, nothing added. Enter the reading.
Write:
3:52
